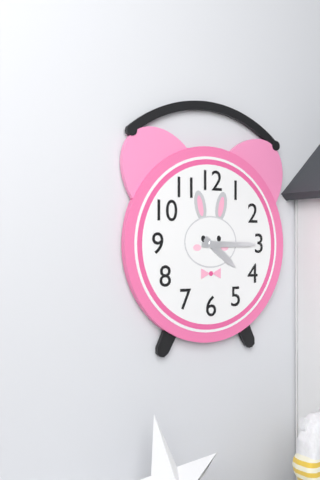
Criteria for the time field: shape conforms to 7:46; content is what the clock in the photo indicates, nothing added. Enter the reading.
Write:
4:15
